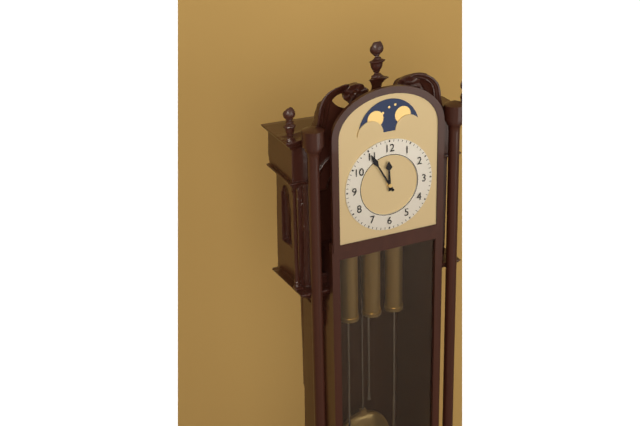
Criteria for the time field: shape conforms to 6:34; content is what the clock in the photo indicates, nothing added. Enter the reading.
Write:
11:55
